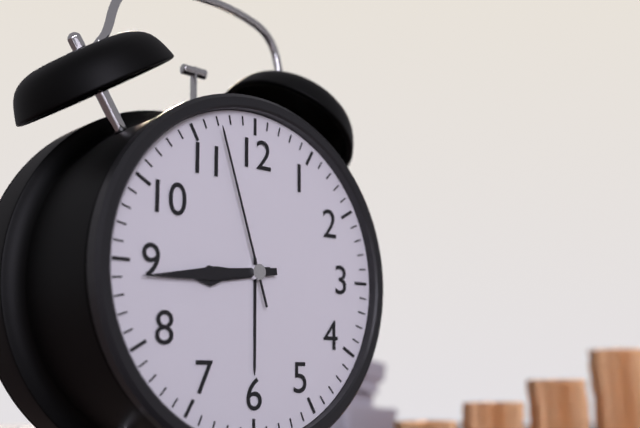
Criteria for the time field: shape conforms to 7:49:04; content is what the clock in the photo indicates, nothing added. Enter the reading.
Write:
8:44:57
